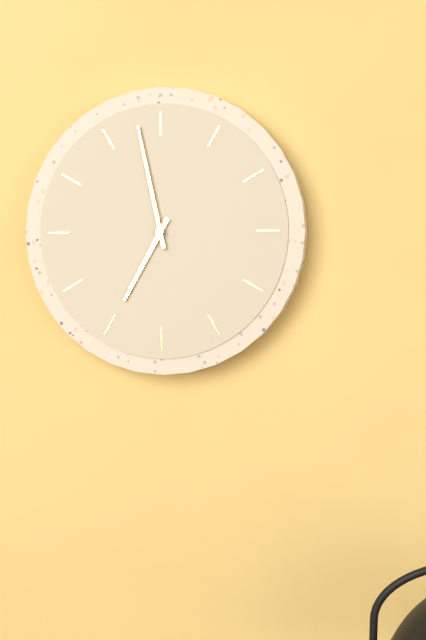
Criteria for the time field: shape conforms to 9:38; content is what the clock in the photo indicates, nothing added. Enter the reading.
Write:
6:58
